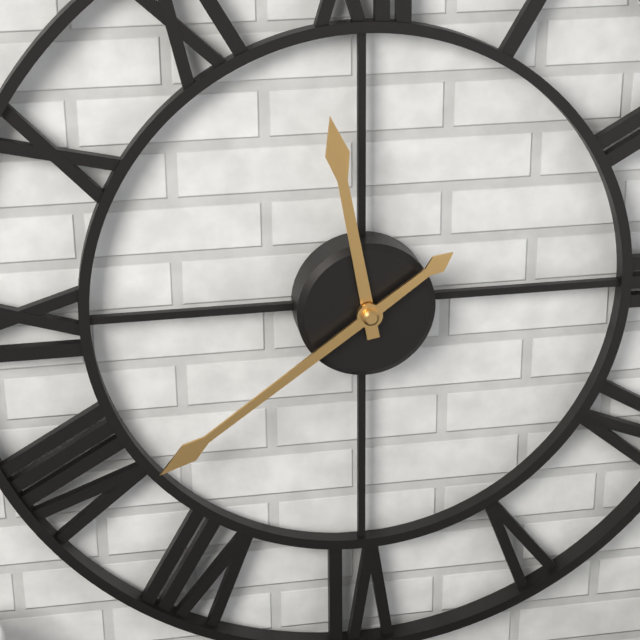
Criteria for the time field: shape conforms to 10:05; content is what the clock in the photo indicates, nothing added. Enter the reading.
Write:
11:39
